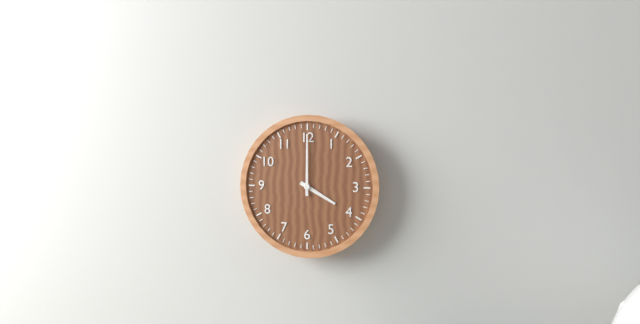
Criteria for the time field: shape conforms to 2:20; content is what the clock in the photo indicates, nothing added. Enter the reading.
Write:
4:00
